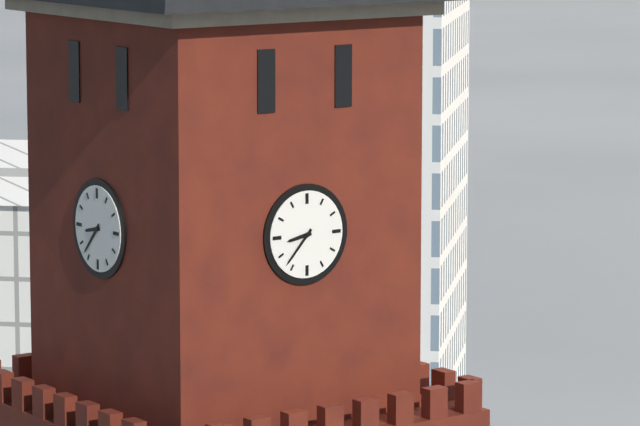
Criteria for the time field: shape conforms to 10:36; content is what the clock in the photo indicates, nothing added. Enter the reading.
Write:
8:37
